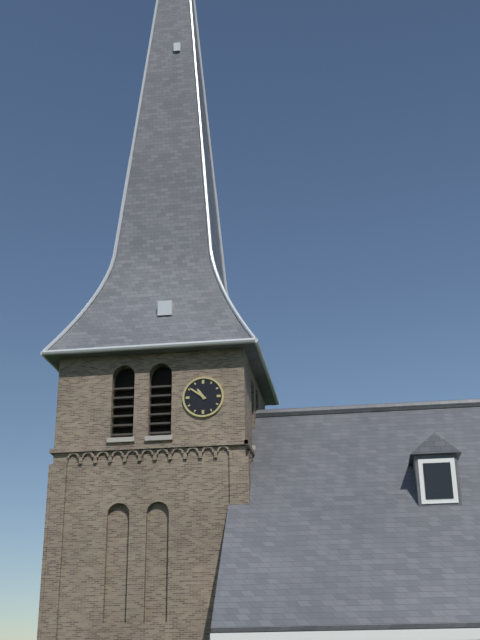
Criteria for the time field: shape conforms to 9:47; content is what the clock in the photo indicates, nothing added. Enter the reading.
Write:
10:51
